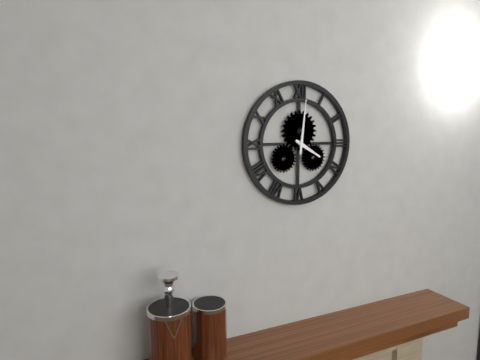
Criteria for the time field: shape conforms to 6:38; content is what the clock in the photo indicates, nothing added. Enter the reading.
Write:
4:01
